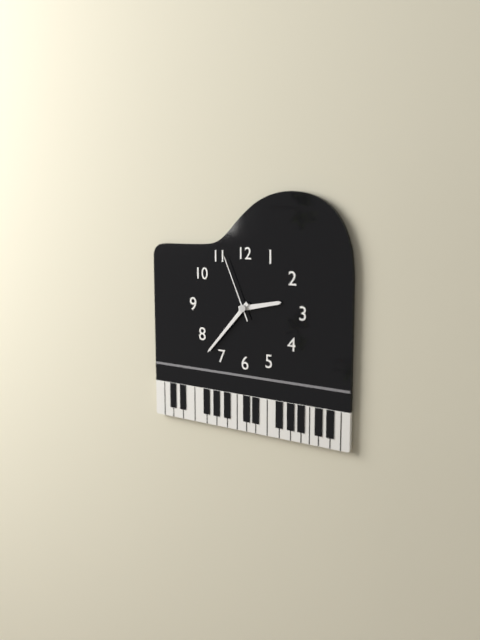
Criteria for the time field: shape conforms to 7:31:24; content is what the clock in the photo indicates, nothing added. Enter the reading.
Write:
2:37:56
